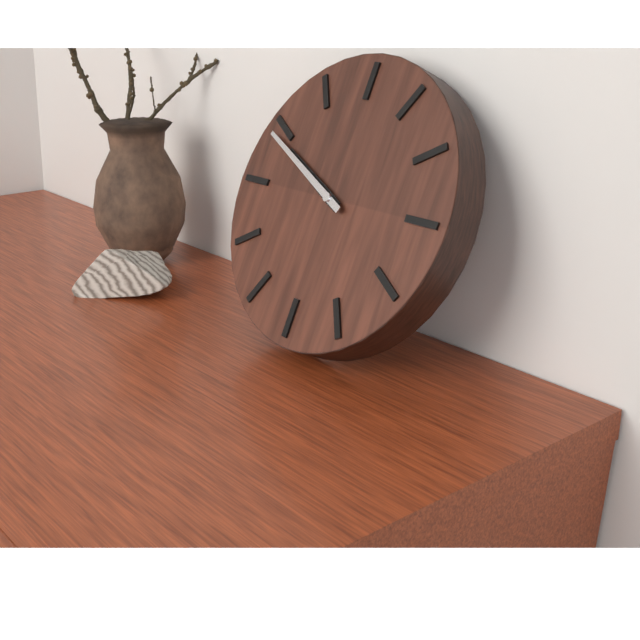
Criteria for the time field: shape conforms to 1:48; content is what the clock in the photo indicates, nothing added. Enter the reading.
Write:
9:49
